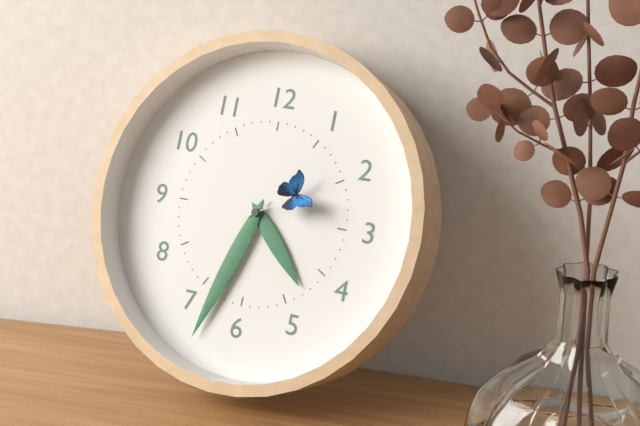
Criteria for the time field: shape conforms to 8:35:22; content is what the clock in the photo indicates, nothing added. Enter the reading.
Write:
4:33:10
